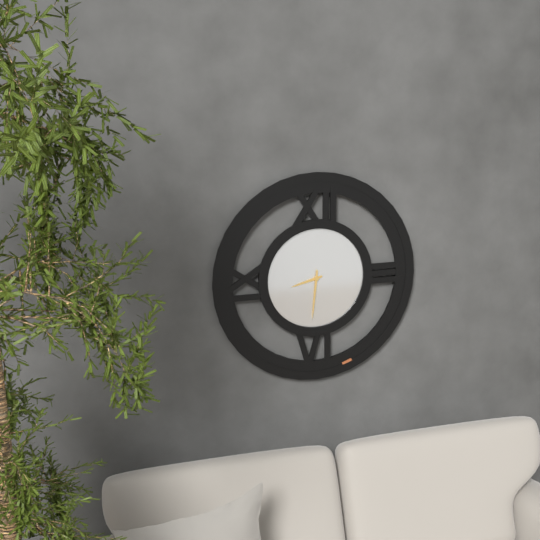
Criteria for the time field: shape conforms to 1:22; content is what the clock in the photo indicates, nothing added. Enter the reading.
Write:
8:31
